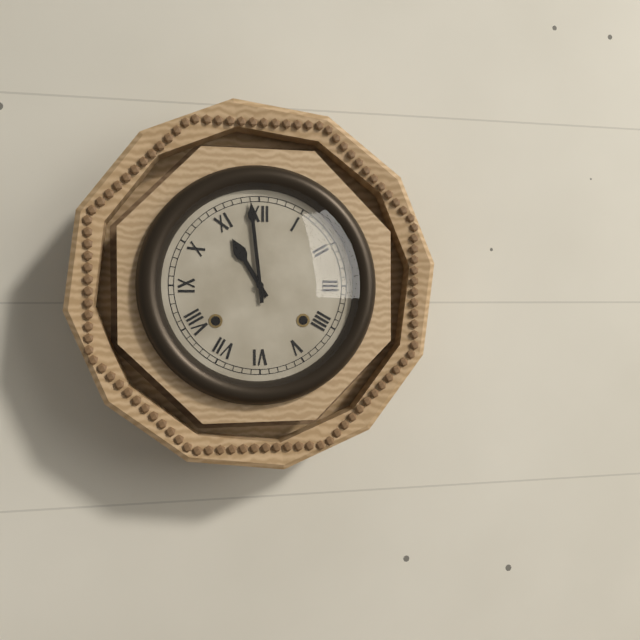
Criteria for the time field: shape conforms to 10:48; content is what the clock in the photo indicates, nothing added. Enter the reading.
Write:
10:59
